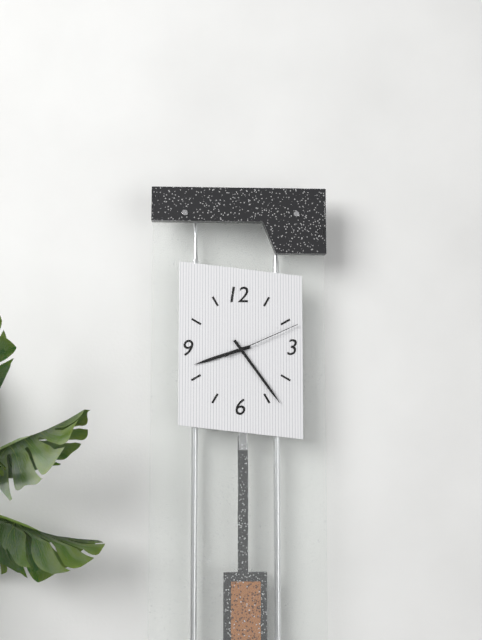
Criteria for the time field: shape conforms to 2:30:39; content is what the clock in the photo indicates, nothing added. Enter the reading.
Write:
8:24:11
